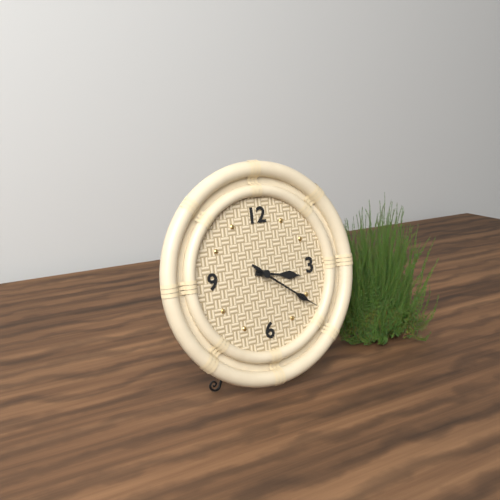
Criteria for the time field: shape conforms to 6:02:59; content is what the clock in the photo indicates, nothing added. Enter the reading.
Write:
3:21:21
